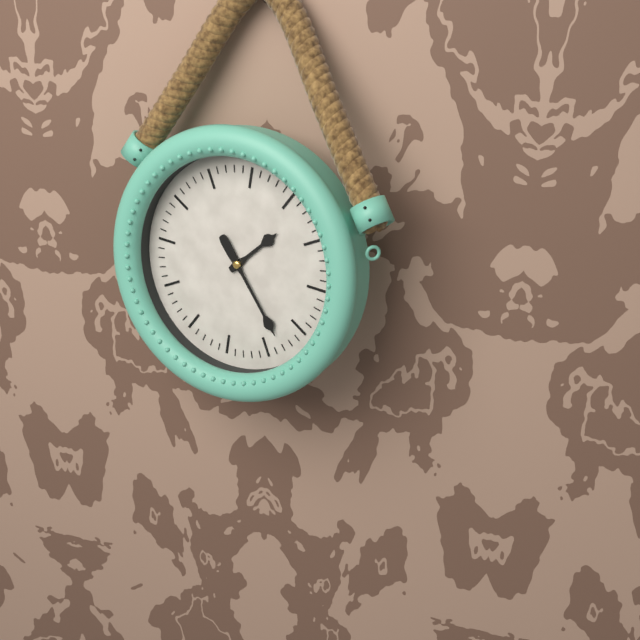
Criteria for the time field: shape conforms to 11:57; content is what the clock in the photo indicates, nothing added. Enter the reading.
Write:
1:23
